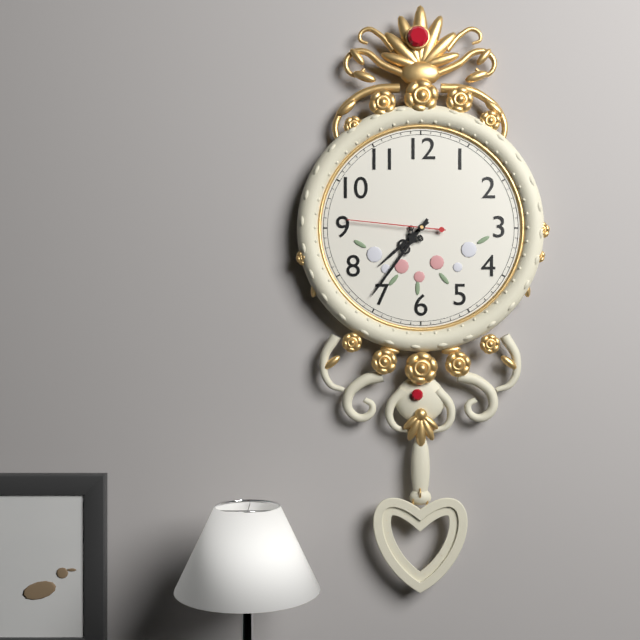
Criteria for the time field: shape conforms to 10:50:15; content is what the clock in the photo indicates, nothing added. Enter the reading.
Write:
7:36:46
